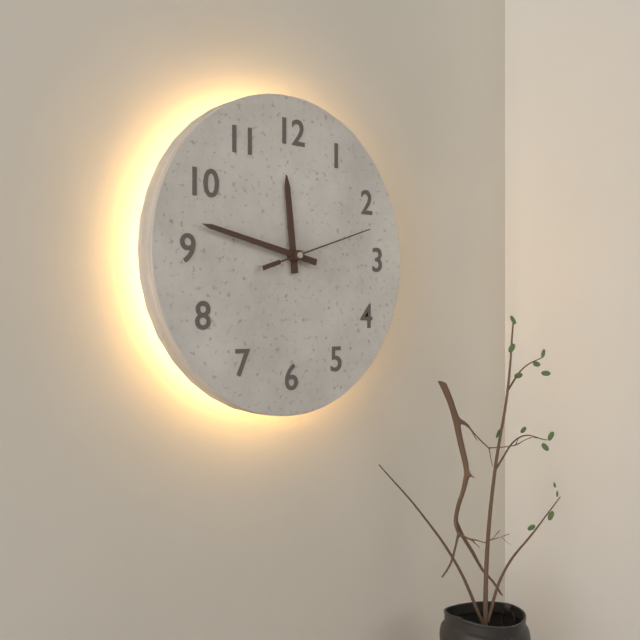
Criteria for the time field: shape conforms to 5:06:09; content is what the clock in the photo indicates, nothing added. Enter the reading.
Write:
11:47:12
